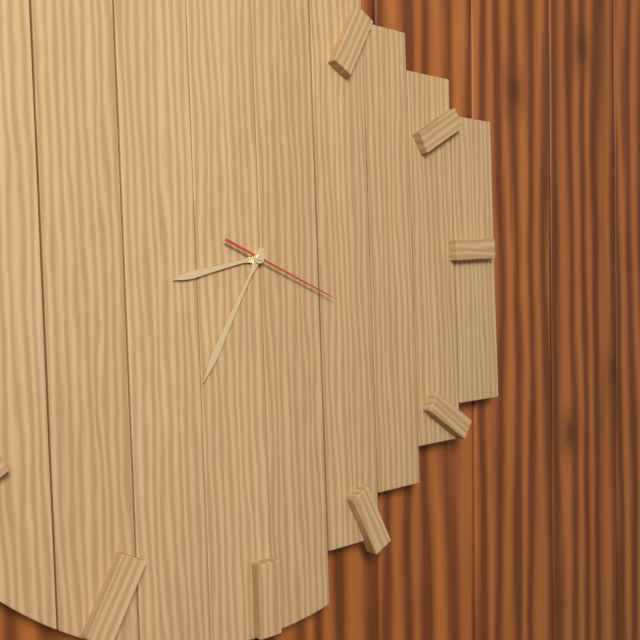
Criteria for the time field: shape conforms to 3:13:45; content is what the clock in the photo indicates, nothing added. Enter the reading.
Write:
8:35:19
